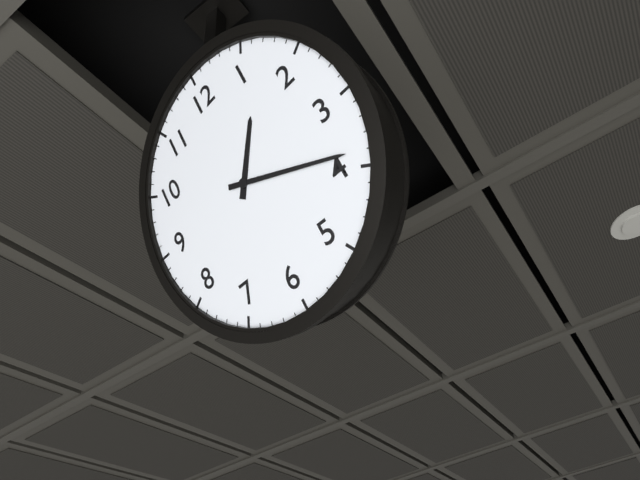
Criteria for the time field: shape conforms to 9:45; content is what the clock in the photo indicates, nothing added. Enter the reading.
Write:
1:19
